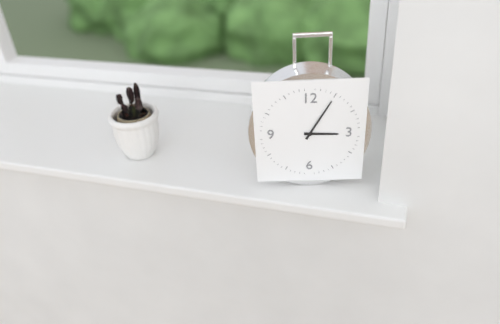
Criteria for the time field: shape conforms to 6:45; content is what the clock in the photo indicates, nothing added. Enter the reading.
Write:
3:05
